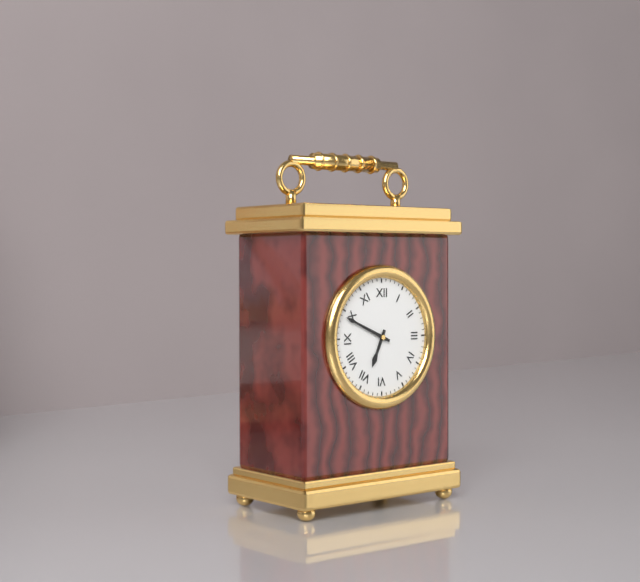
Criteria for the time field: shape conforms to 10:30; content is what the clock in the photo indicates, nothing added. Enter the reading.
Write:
6:49
